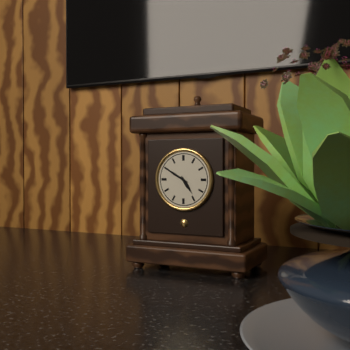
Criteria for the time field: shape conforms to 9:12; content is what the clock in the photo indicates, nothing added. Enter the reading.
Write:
4:50
